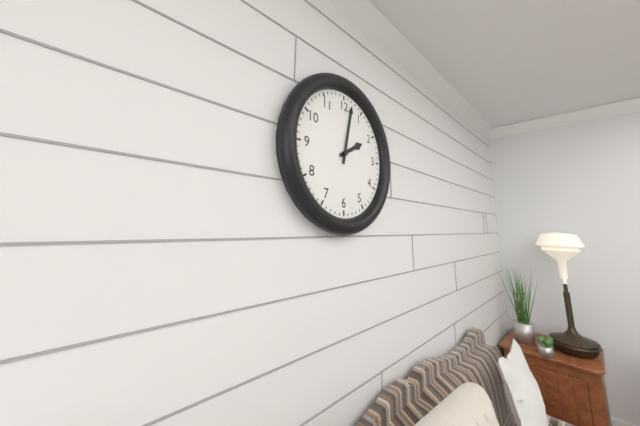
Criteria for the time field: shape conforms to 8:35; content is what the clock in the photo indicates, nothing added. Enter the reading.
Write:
2:02
